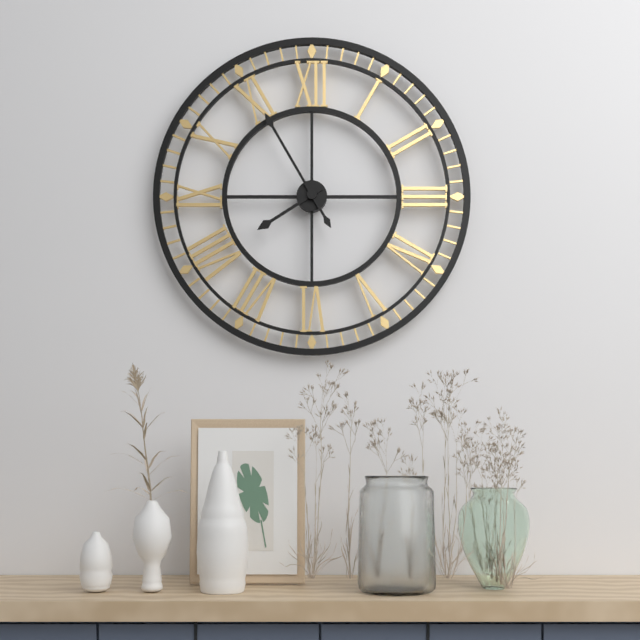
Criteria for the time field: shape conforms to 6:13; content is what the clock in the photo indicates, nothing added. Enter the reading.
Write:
7:55
